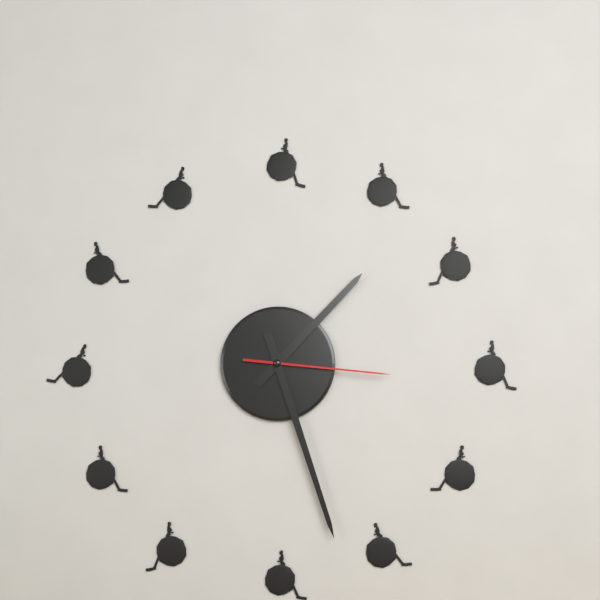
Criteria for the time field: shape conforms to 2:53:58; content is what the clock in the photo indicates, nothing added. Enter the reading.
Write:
1:27:16
